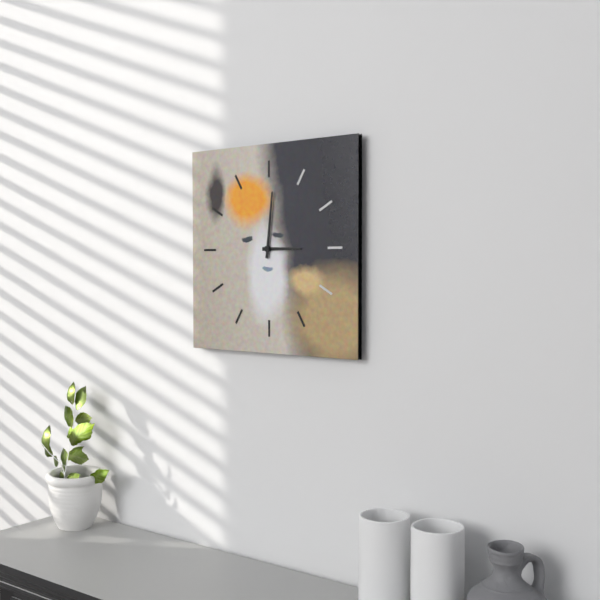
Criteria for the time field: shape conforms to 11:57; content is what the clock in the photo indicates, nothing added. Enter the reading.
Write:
3:01
